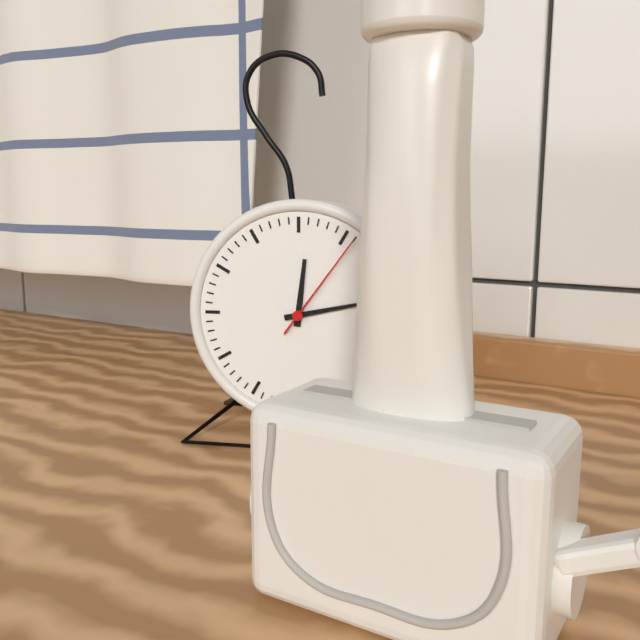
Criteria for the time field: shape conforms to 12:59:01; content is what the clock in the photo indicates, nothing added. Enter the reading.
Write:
12:13:06
